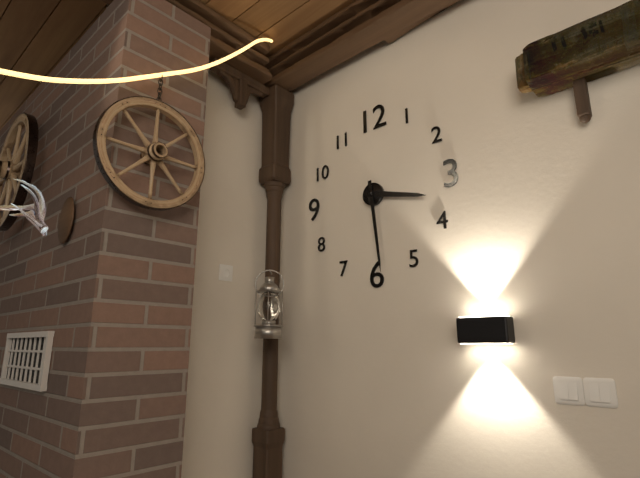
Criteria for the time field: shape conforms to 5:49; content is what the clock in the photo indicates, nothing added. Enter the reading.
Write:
3:29
